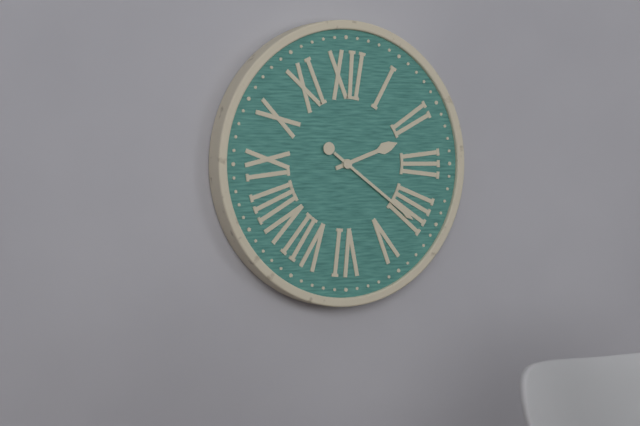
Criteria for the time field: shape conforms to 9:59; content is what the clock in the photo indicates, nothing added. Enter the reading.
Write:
2:21
